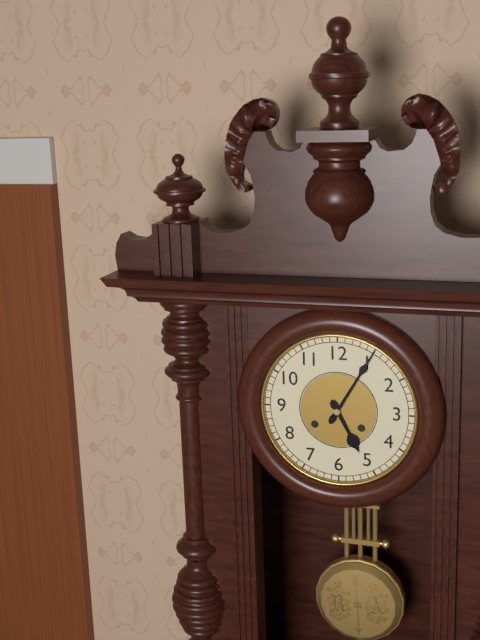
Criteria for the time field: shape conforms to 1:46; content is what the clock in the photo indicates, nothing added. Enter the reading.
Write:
5:05
